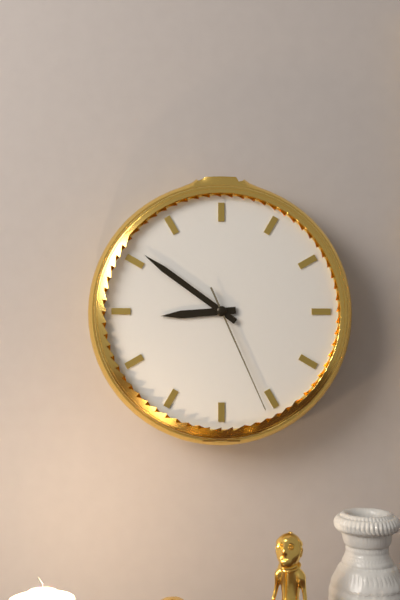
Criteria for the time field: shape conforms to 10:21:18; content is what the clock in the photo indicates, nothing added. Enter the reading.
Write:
8:51:26
